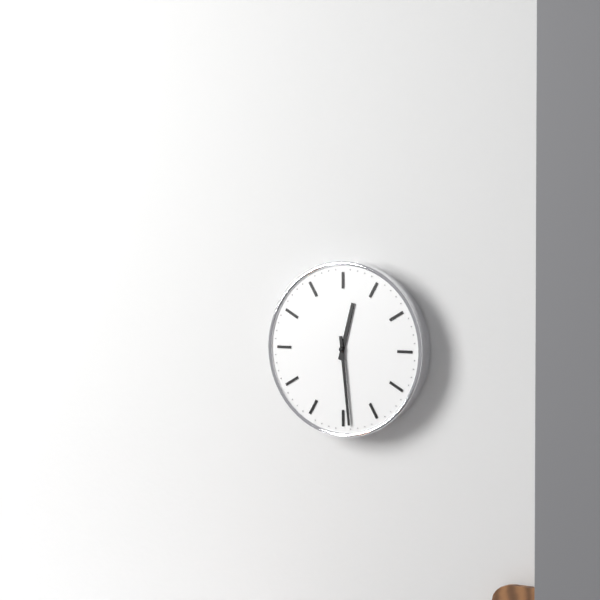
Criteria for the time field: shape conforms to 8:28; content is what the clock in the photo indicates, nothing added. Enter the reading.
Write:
12:29
